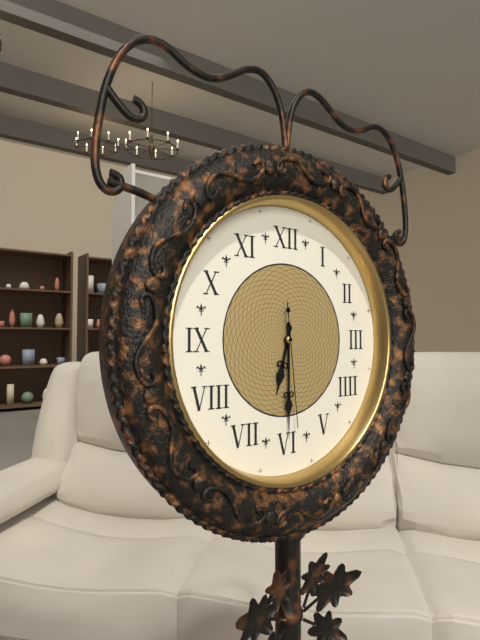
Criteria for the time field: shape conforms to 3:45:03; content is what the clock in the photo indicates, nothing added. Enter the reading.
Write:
6:30:29
